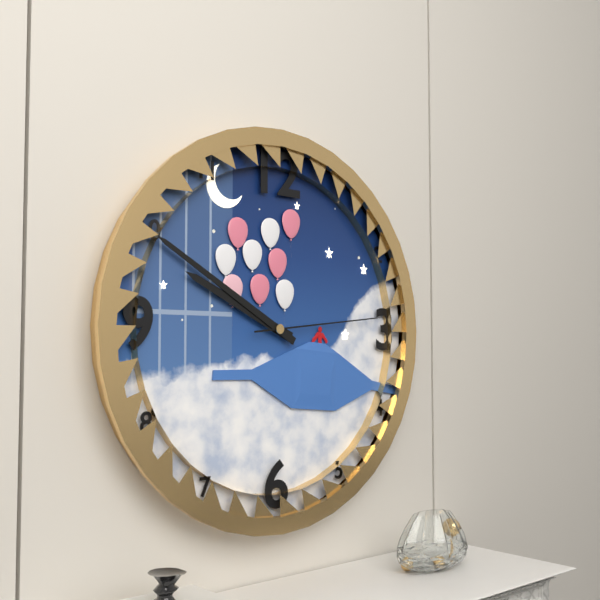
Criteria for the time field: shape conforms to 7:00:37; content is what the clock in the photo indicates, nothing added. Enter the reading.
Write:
9:50:14
